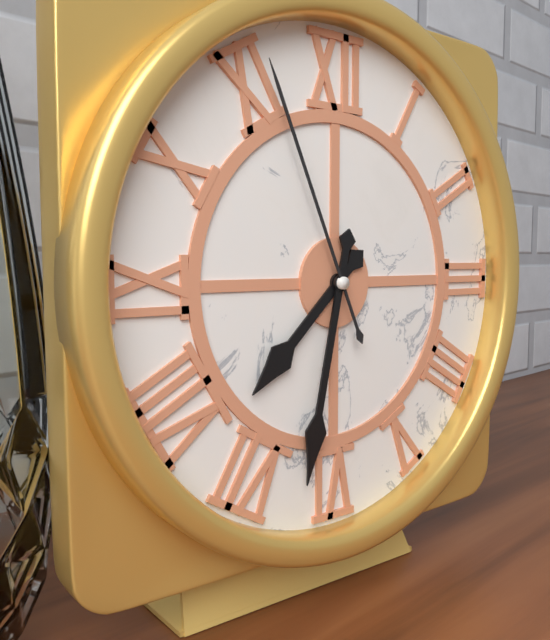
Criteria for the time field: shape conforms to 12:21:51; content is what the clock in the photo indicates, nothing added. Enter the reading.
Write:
7:32:56
